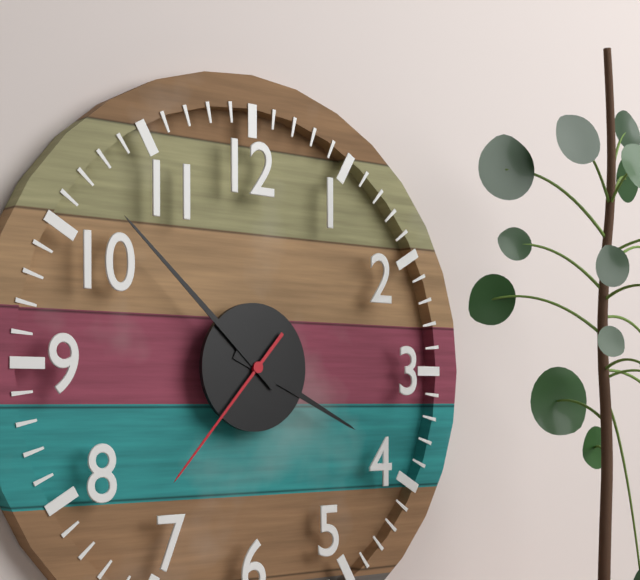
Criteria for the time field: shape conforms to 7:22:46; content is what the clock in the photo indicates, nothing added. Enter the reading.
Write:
3:52:37
